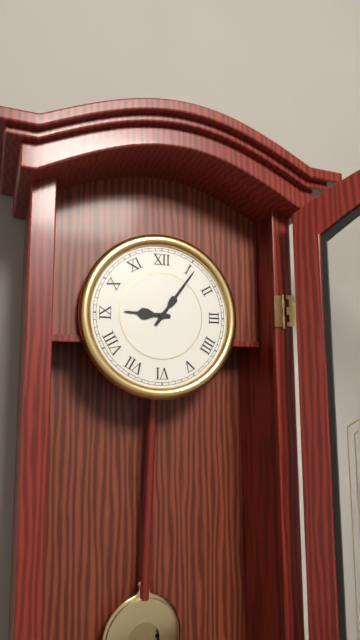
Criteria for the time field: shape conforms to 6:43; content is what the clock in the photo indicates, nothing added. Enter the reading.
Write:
9:06
